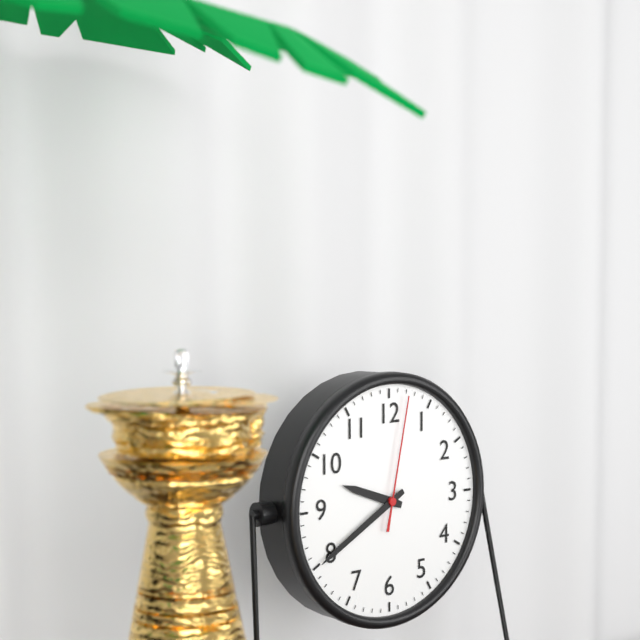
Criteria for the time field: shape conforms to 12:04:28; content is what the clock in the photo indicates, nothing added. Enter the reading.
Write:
9:40:02
